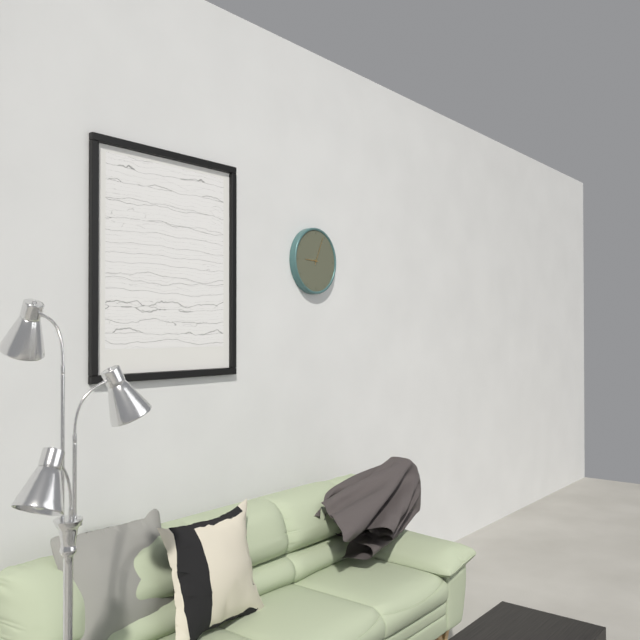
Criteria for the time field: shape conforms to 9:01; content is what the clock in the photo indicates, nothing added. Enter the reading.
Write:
9:04
